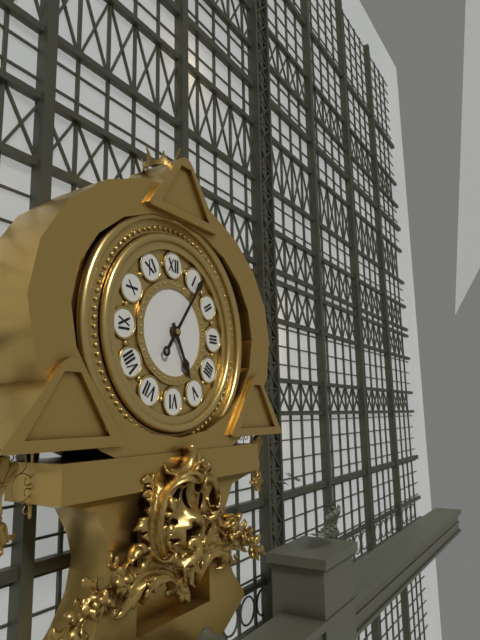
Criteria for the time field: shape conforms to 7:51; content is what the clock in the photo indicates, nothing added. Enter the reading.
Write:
5:06
